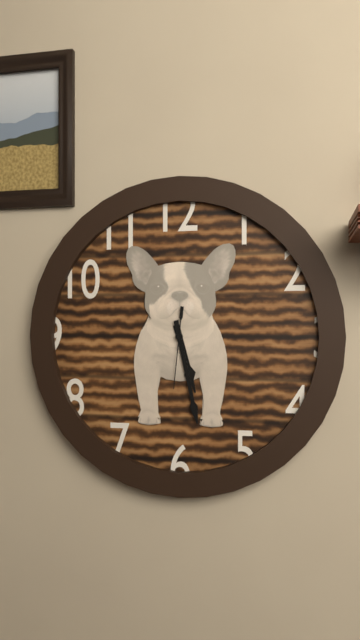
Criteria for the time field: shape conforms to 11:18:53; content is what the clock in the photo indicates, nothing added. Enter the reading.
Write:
5:28:31
